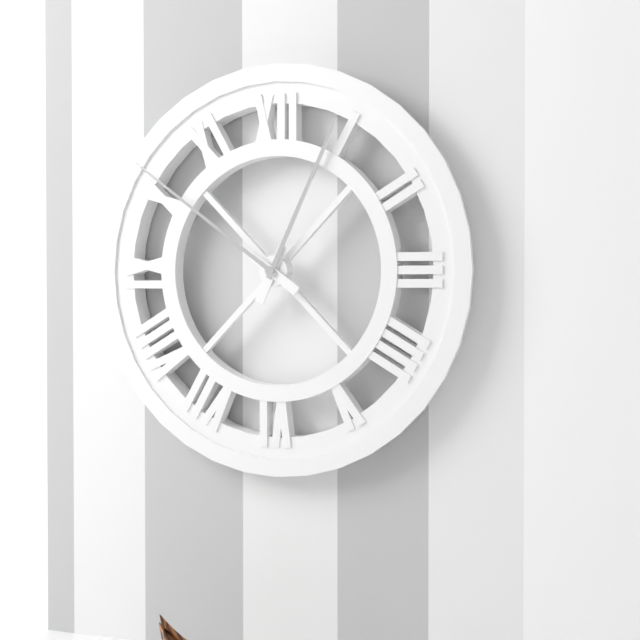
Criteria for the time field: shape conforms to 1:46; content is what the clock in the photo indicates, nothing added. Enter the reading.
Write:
12:51
